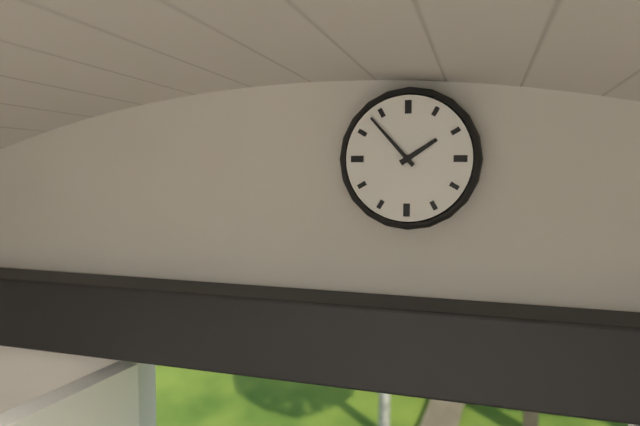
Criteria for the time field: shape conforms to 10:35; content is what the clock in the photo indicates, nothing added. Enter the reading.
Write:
1:53
